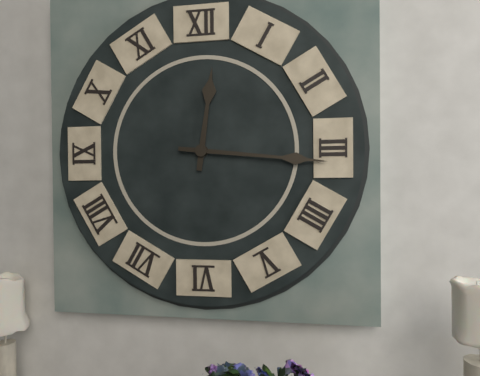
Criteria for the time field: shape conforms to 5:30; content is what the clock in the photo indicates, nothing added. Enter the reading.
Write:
12:16
